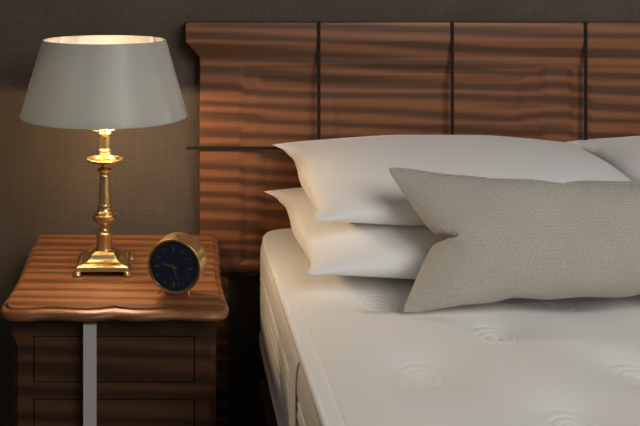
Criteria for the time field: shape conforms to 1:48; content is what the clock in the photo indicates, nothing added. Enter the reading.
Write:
9:27
